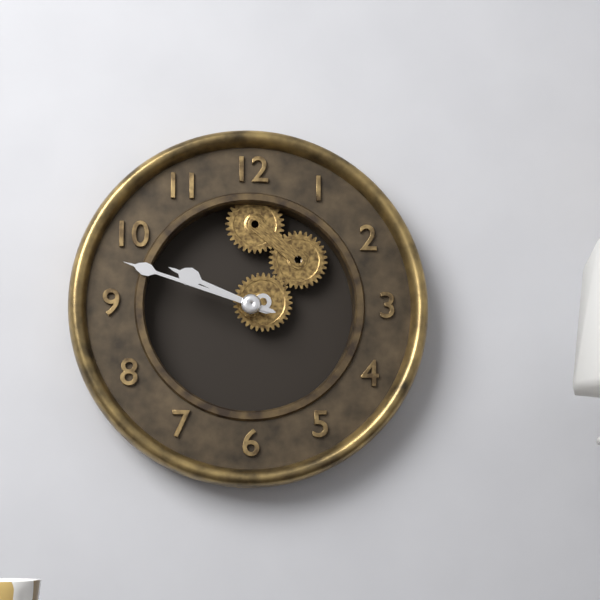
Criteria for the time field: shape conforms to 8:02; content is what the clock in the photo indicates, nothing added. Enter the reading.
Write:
9:48
